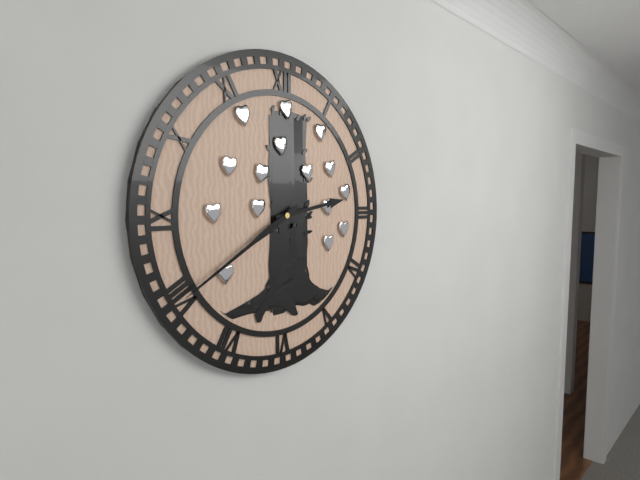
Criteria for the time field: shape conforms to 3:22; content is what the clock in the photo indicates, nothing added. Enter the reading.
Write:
2:40
